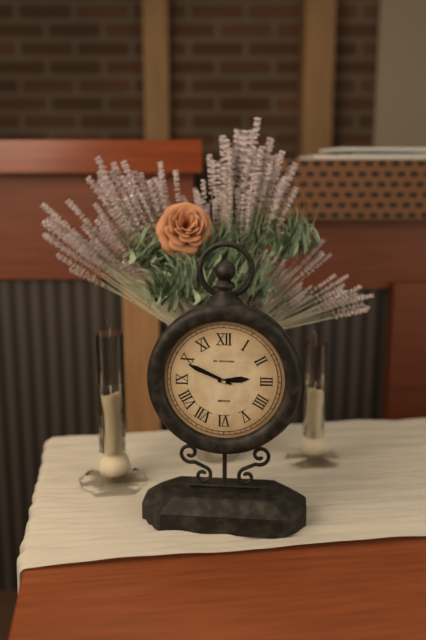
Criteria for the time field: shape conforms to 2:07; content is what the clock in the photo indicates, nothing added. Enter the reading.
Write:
2:49
